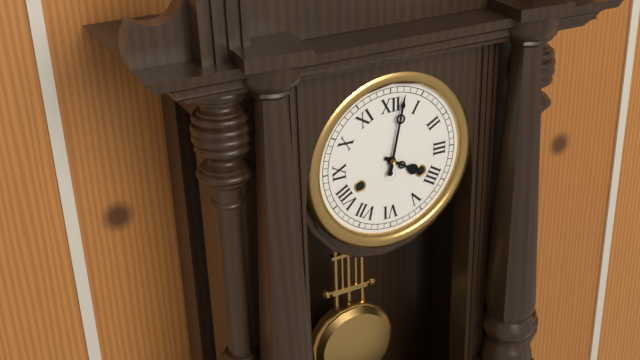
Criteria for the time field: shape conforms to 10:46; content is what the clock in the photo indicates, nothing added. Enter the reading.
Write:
4:02
